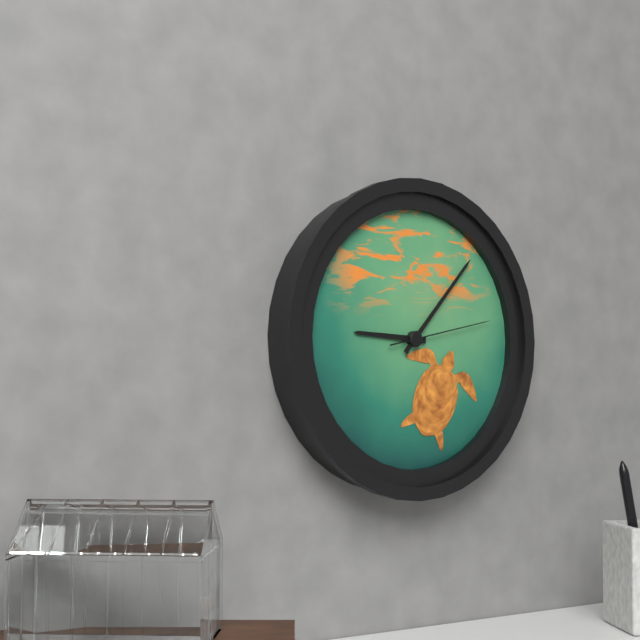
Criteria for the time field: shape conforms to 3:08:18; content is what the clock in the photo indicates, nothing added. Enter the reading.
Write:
9:07:13
